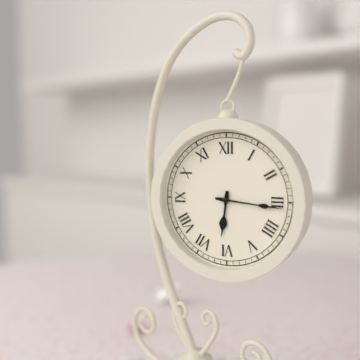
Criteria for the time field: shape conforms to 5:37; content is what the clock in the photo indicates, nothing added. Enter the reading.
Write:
6:16
